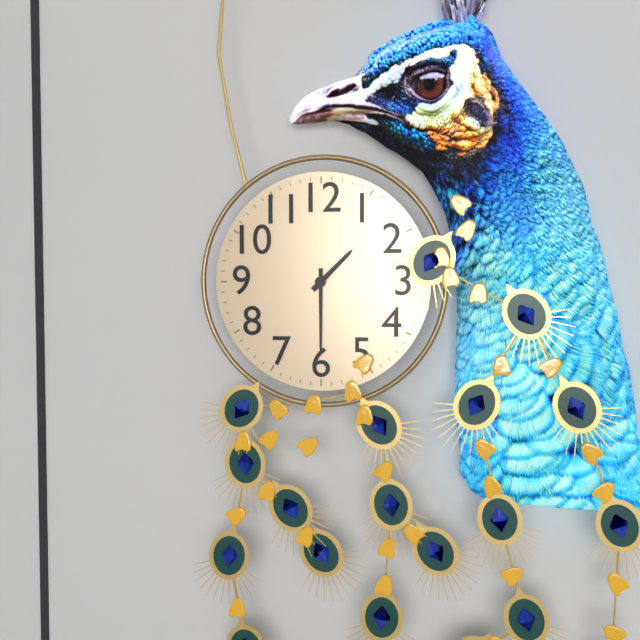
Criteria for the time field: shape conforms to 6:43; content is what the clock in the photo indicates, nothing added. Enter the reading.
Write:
1:30
